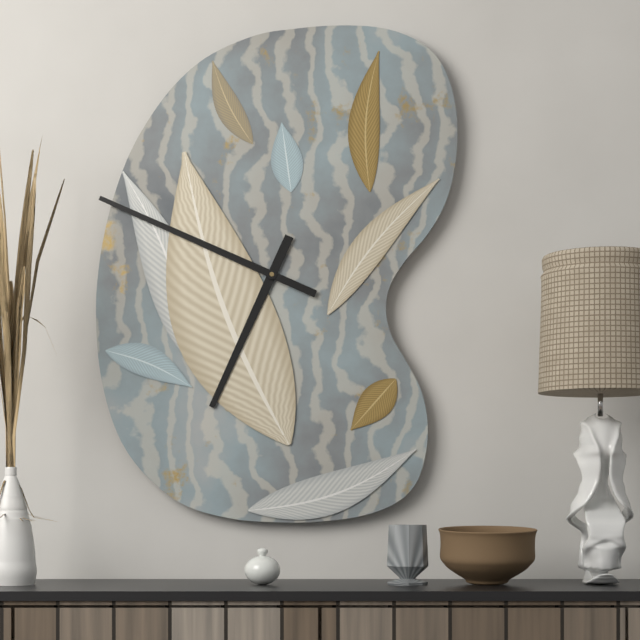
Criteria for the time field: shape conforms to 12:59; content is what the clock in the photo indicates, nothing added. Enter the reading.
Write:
6:49
